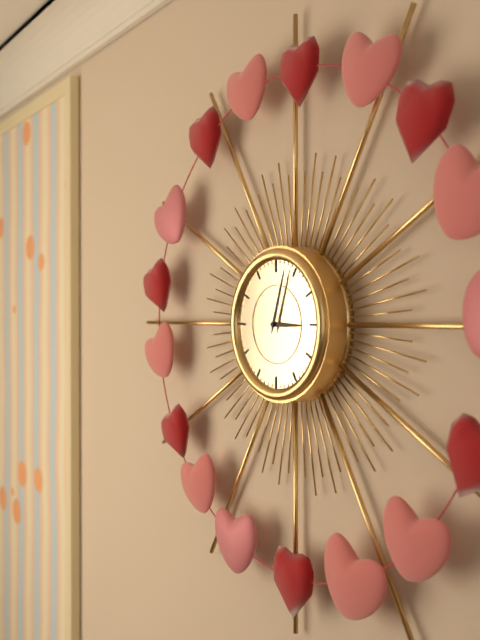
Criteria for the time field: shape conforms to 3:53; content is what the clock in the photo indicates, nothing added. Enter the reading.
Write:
3:03
